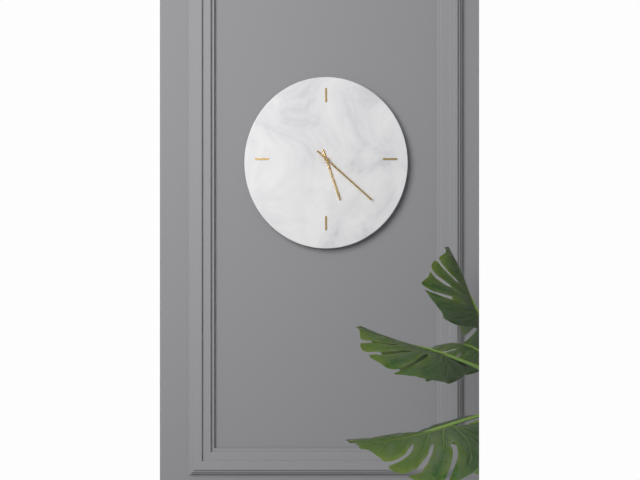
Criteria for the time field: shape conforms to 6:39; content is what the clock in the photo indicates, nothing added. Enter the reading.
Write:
5:22
